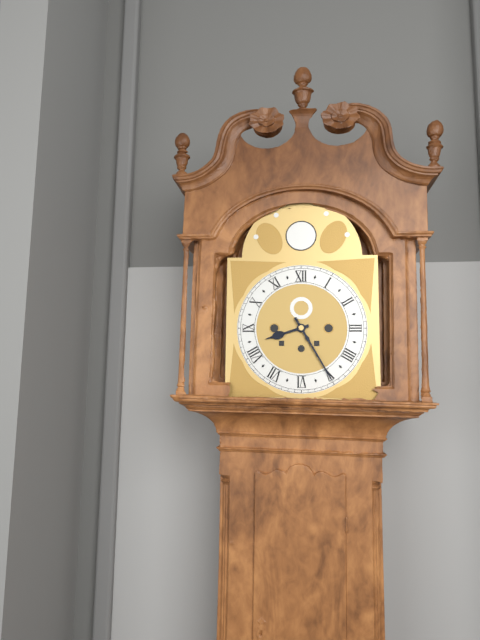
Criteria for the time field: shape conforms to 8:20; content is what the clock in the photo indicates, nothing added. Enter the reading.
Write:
8:25
